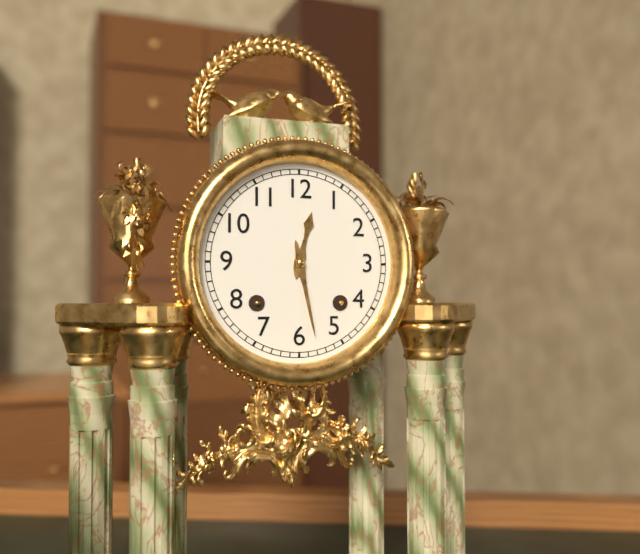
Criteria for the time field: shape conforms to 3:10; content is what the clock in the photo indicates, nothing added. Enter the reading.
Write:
12:28
